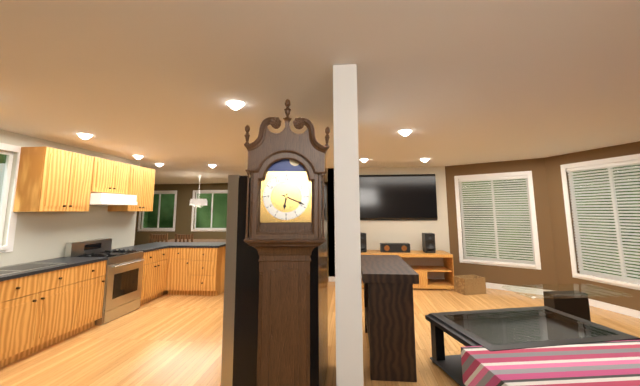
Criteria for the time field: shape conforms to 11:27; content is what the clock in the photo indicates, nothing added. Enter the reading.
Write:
6:19
